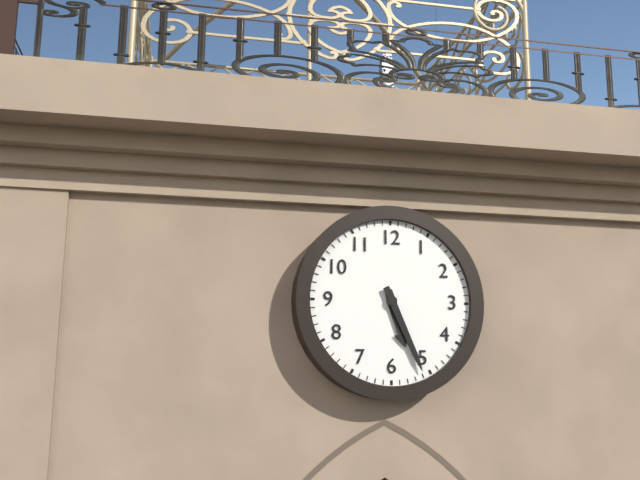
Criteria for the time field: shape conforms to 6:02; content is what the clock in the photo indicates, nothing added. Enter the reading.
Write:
5:26
